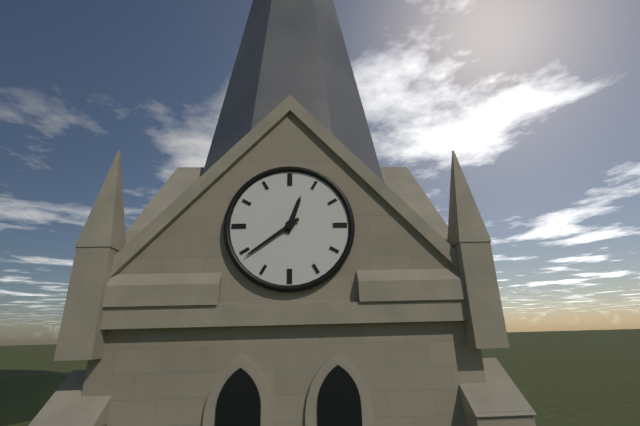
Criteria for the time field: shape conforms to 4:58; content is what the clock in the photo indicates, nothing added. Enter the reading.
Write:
12:39
